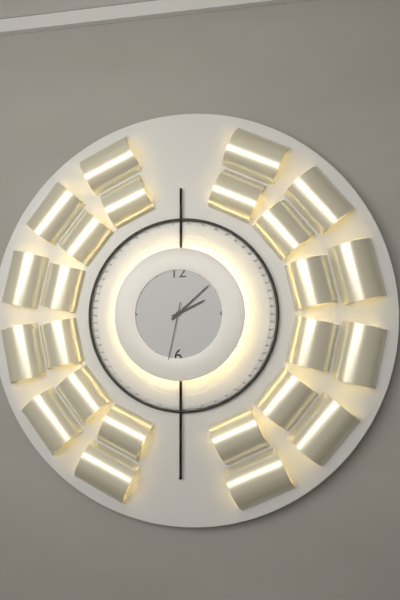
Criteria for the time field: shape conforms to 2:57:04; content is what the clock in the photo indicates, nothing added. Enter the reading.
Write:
2:08:32
